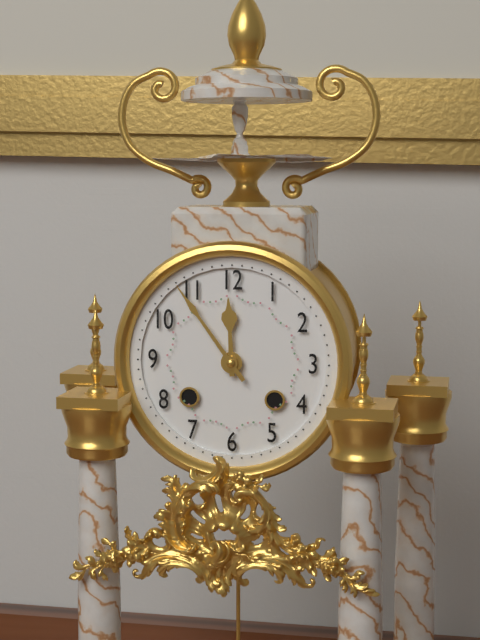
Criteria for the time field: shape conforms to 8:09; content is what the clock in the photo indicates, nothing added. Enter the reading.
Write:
11:54
